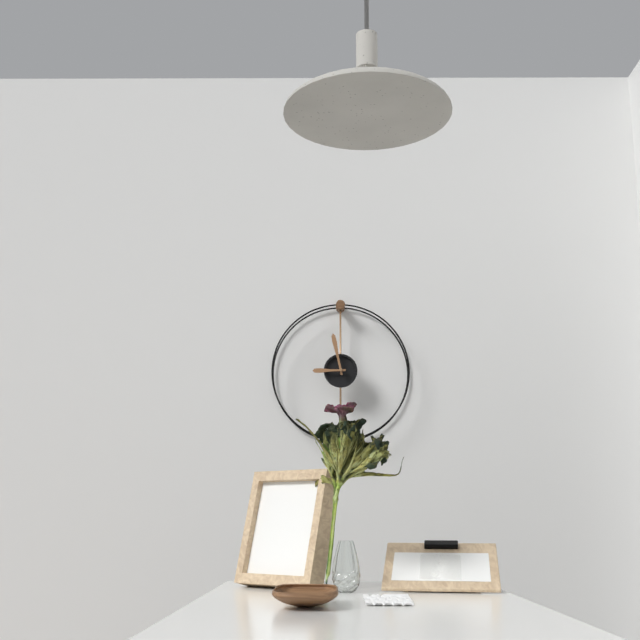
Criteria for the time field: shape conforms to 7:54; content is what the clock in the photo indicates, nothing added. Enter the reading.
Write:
8:58
